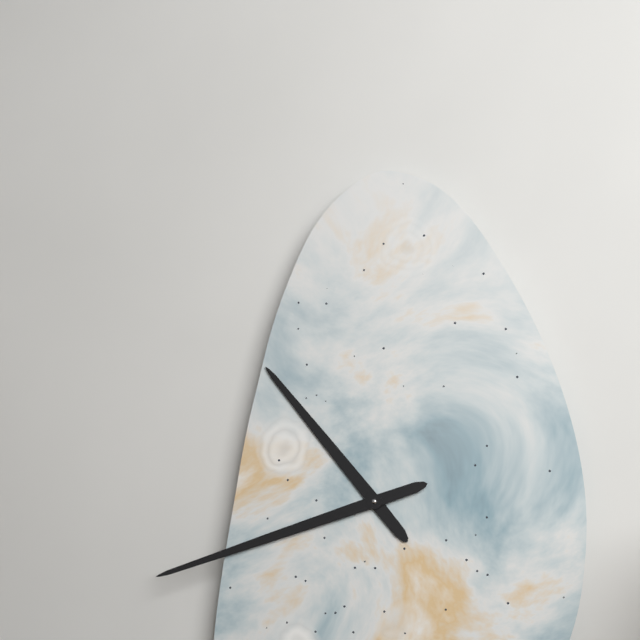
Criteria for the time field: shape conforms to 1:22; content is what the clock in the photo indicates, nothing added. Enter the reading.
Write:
10:42
